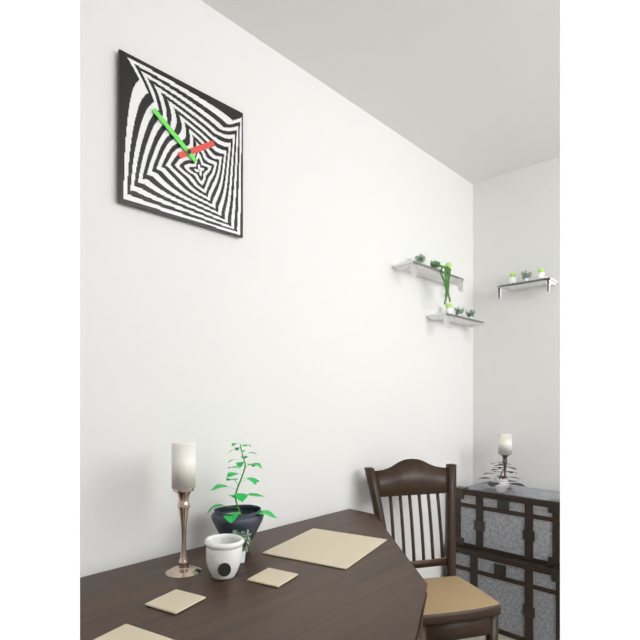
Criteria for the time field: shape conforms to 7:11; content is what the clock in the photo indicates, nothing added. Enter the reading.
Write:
1:51
